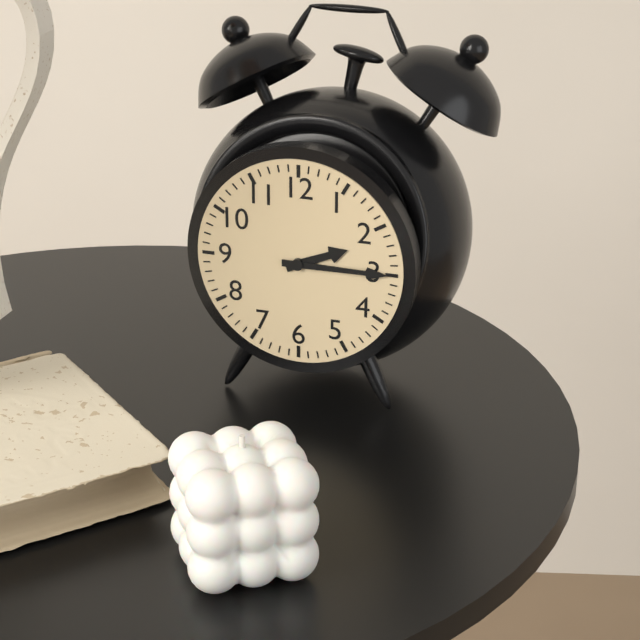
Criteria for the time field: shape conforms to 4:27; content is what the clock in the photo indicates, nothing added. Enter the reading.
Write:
2:15
